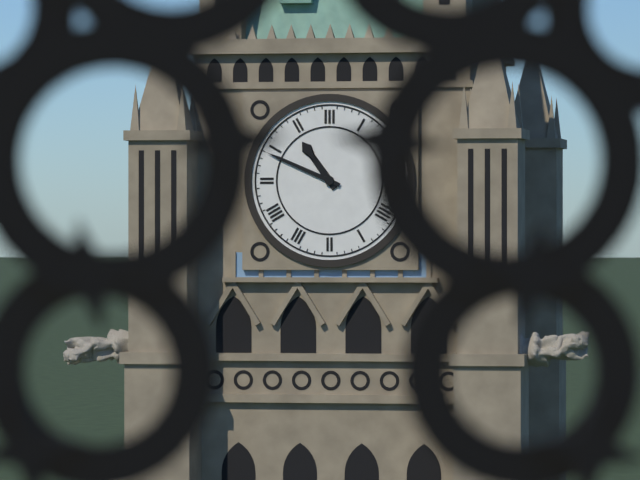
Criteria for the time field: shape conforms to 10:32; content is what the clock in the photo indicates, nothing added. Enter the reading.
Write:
10:49
